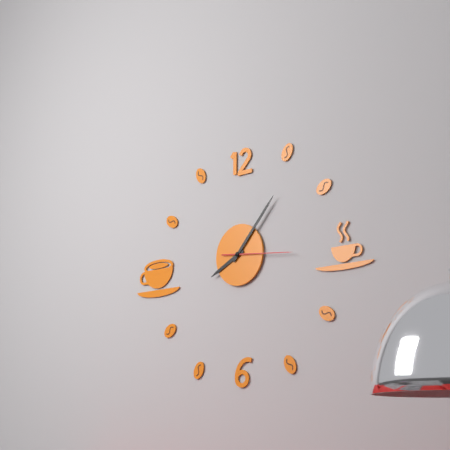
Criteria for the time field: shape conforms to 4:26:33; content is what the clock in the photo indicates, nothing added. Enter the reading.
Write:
8:07:16
